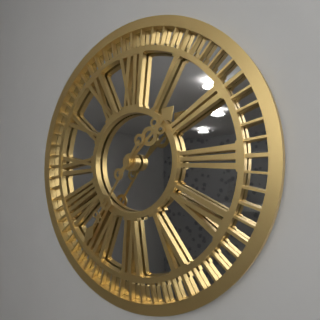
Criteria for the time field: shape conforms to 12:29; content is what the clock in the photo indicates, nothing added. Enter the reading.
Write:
1:36
